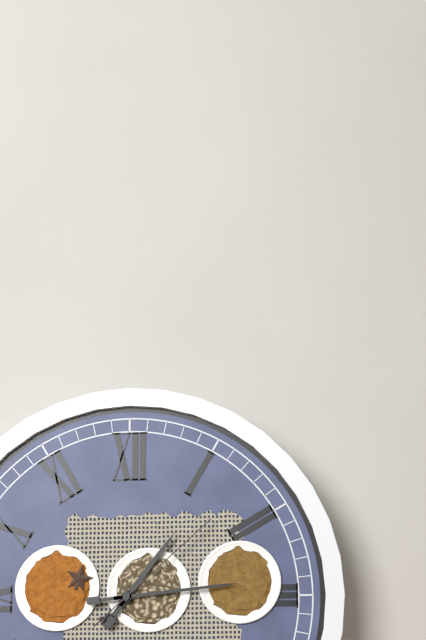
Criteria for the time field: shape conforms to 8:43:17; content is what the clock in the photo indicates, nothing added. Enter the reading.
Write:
1:14:08
